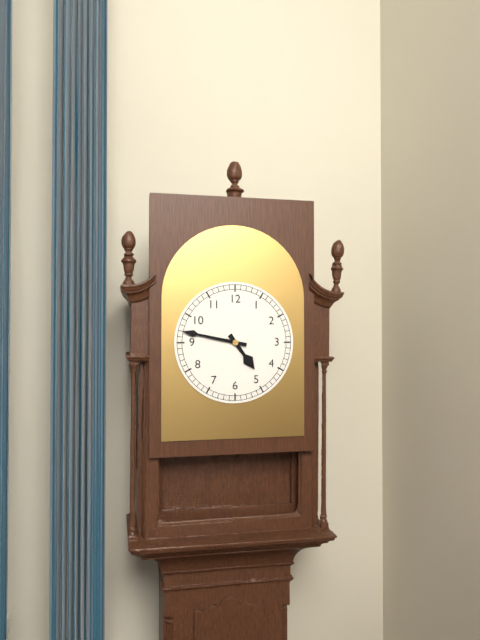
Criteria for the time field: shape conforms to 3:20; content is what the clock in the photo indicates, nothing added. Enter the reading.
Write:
4:47
